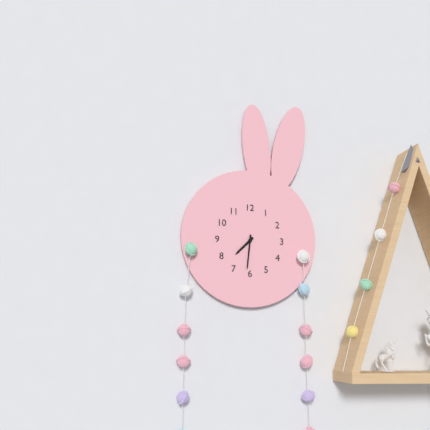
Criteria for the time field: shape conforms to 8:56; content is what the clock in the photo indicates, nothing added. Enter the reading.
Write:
7:31
